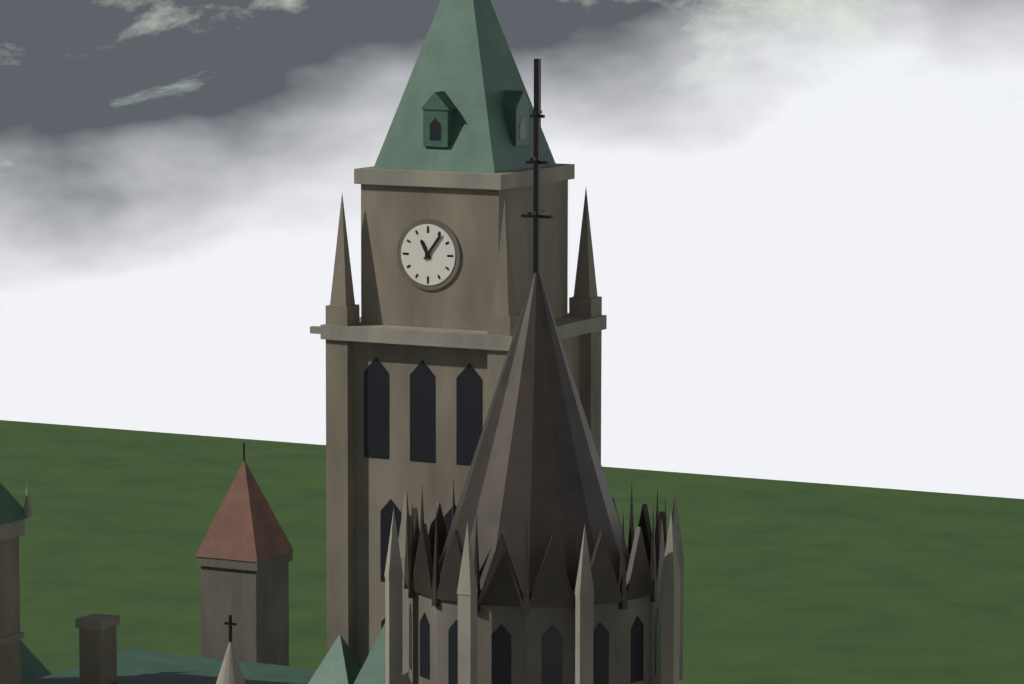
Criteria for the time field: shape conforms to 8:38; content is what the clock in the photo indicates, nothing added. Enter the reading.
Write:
11:06
